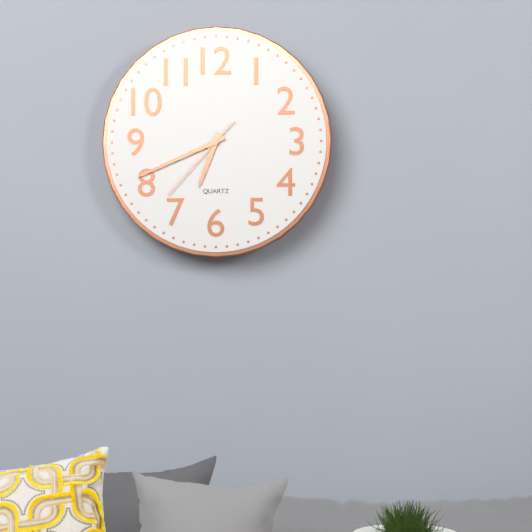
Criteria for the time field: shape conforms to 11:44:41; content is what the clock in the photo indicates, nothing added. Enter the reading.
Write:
6:41:37
